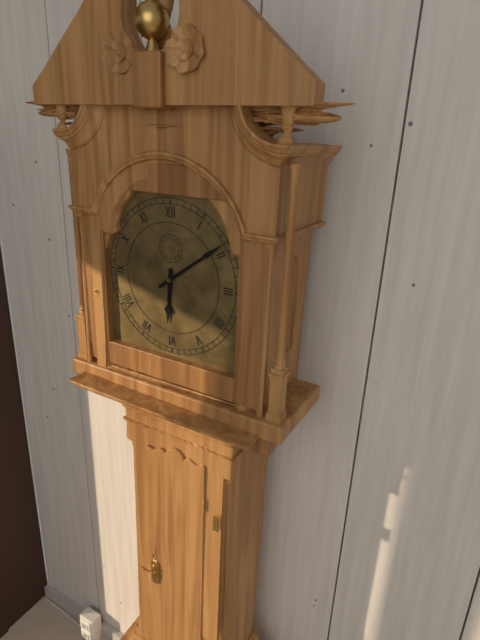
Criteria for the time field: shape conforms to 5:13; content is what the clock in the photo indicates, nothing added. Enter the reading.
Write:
6:09
